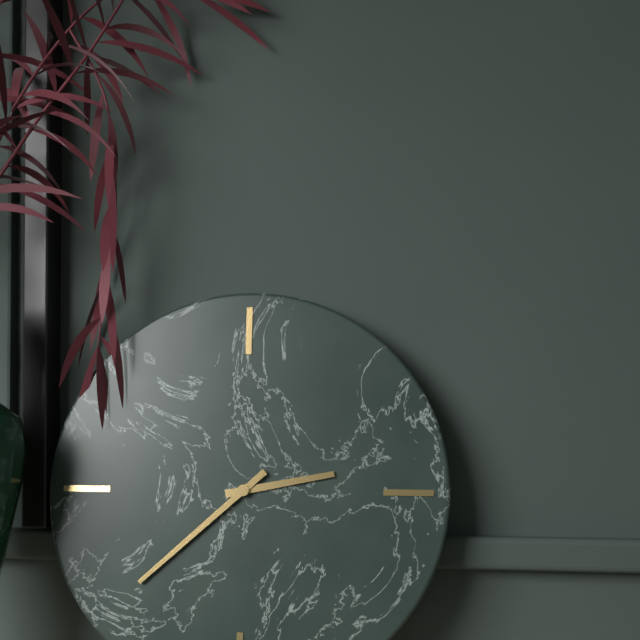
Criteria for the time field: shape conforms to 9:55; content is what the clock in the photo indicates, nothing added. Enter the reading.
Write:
2:38
